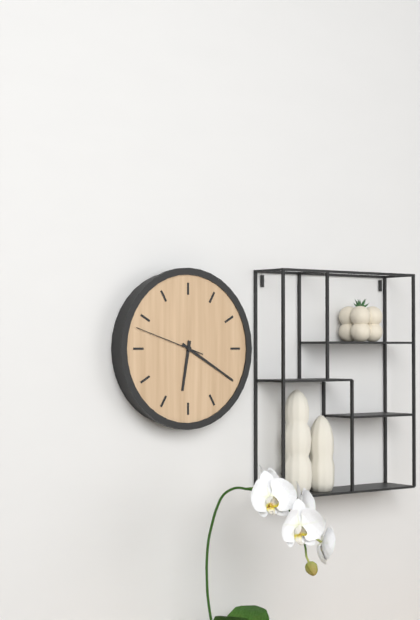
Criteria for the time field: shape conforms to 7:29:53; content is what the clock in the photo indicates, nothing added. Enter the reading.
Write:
6:20:48
